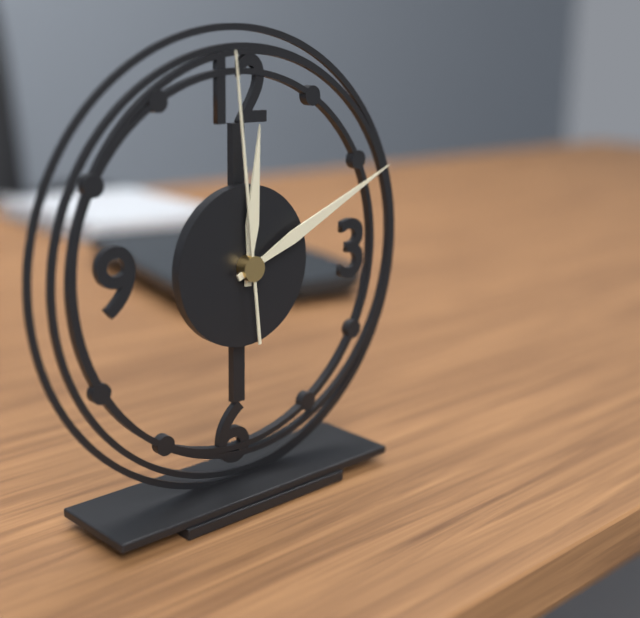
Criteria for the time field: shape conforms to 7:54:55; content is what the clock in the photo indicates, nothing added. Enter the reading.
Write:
12:11:59
